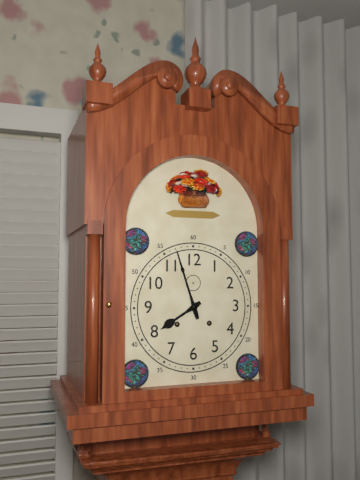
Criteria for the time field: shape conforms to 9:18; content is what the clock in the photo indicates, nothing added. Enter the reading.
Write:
7:57
